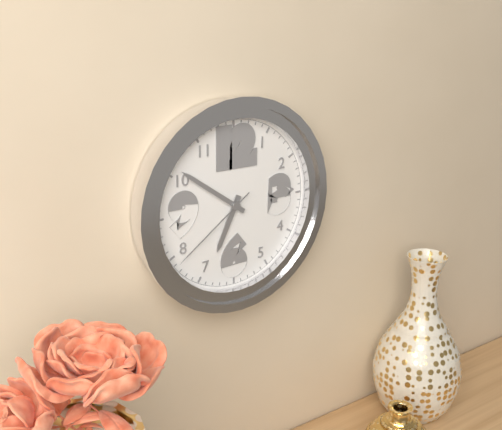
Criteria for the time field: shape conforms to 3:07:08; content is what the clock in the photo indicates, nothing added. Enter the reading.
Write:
6:51:39
